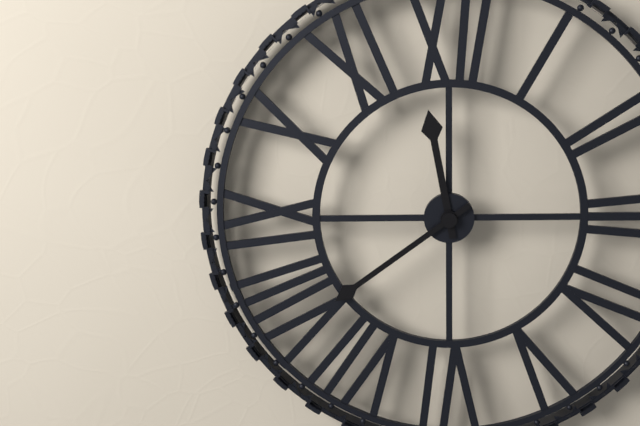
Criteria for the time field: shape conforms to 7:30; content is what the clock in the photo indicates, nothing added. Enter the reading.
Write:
11:39
